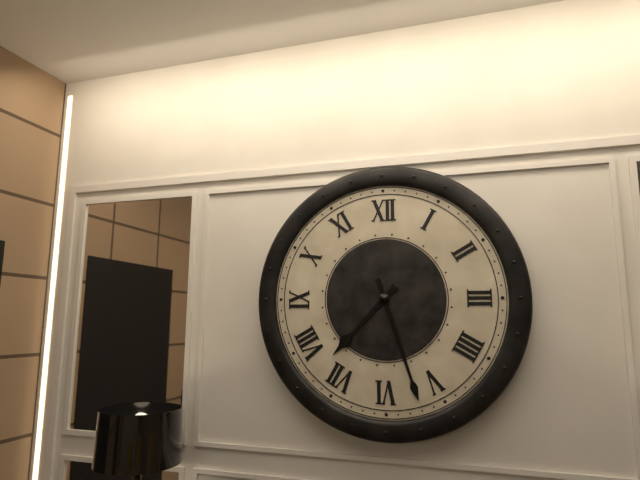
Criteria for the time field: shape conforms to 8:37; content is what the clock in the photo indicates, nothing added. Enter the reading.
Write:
7:27
